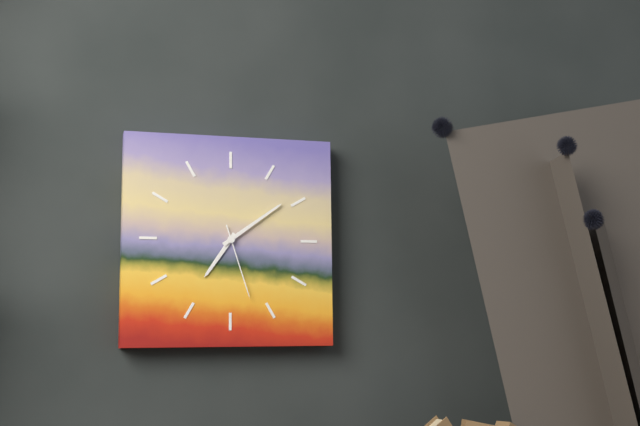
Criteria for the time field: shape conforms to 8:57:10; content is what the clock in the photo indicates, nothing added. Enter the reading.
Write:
7:09:27
